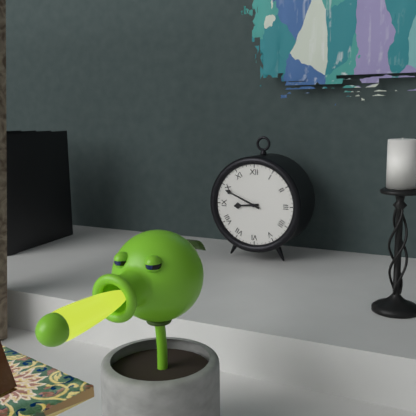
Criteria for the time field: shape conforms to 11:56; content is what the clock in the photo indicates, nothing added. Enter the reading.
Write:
8:49
